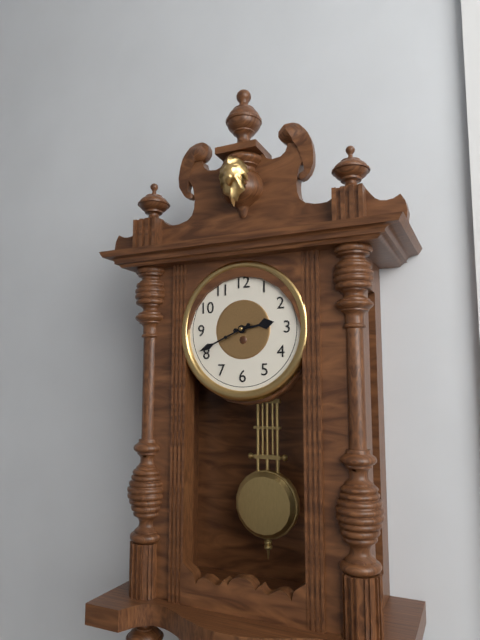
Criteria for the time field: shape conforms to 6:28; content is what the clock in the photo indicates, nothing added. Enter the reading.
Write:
2:41
